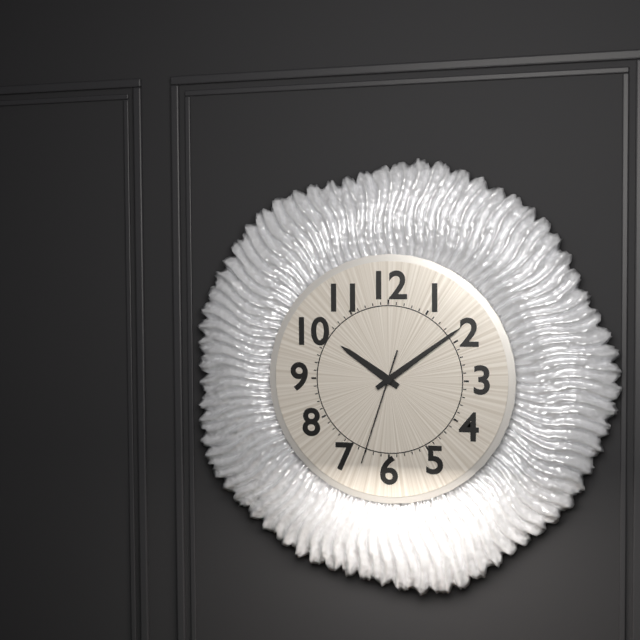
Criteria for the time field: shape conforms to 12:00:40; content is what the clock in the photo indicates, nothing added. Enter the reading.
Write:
10:09:33
